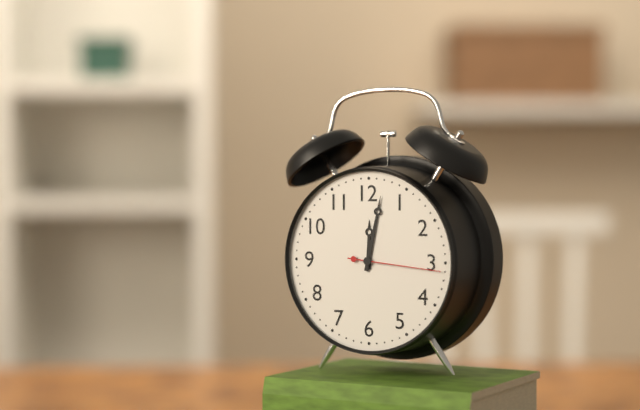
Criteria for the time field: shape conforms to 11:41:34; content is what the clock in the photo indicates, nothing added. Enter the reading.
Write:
12:02:16
